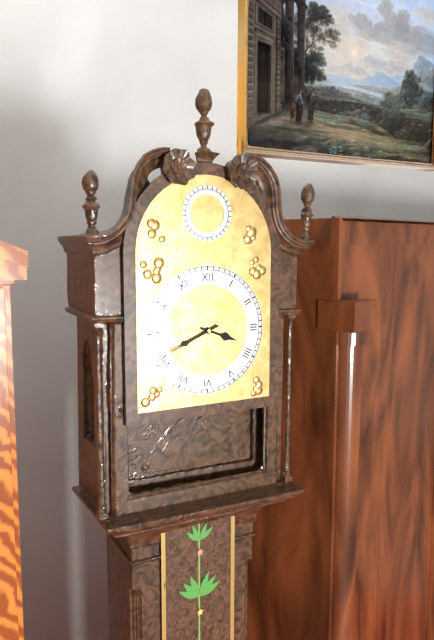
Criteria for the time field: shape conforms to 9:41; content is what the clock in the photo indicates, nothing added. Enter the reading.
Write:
3:41
